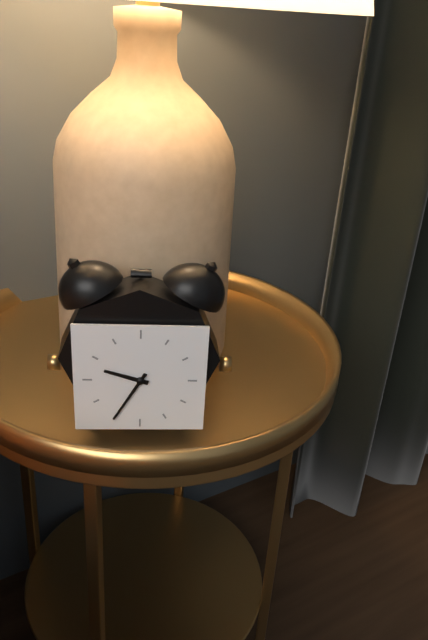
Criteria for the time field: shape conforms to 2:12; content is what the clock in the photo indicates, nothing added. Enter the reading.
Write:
9:35
